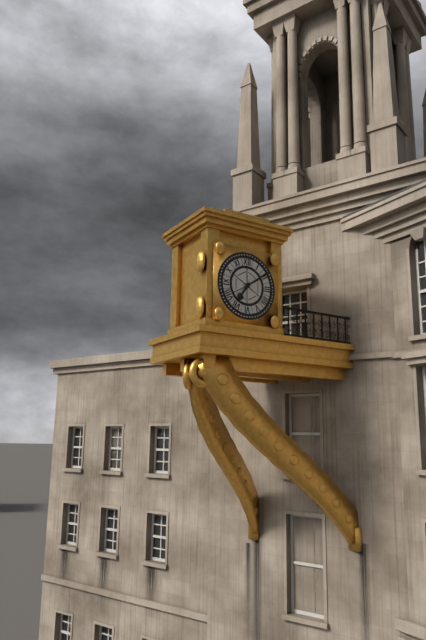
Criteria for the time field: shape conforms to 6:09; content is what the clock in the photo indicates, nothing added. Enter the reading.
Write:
7:09
